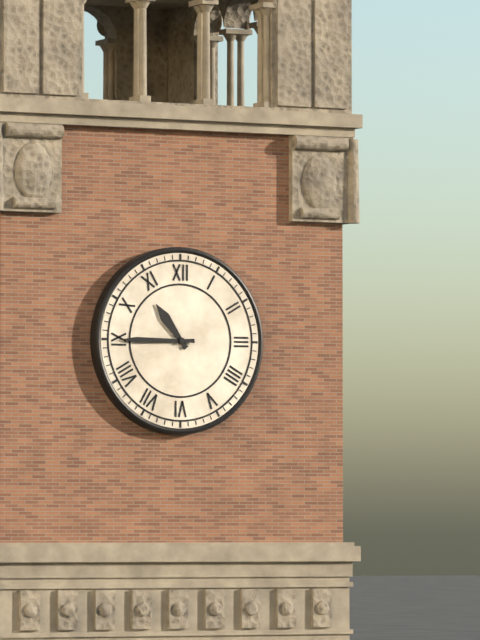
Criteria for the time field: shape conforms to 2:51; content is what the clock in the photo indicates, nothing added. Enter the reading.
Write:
10:45
